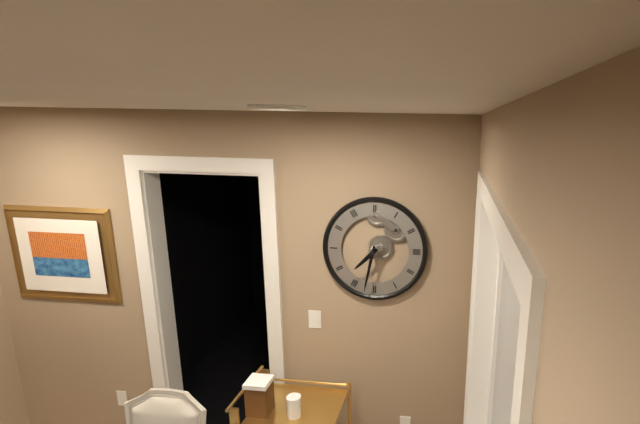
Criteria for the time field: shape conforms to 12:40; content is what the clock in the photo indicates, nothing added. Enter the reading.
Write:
7:32
